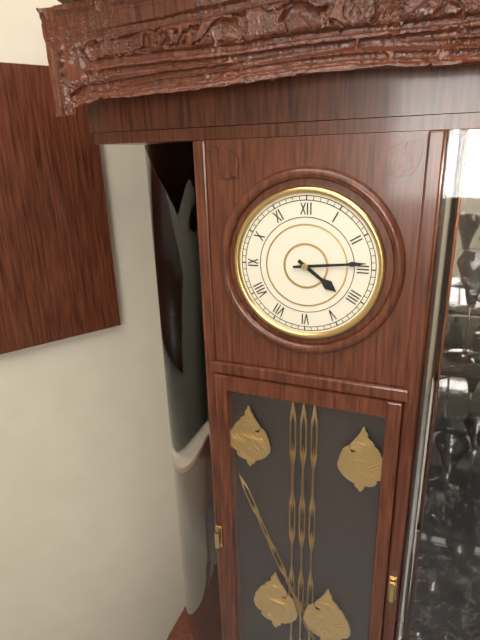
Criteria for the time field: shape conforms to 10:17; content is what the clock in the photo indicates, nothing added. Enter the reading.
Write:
4:14
